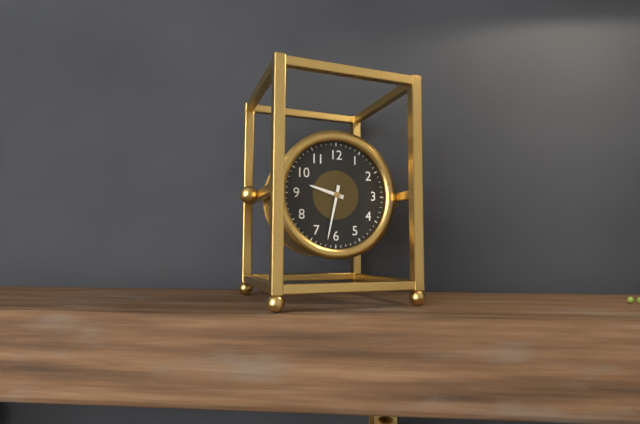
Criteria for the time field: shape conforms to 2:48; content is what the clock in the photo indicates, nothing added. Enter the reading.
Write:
9:32
